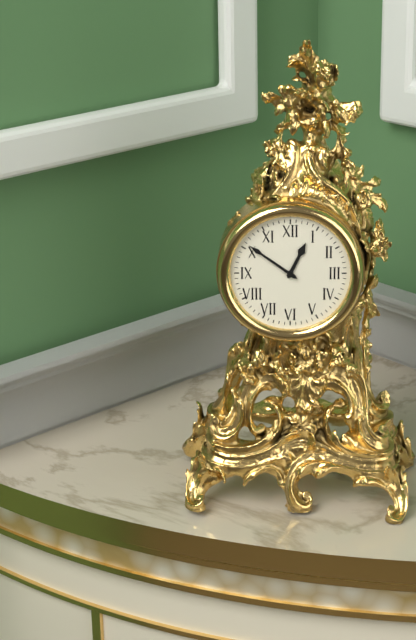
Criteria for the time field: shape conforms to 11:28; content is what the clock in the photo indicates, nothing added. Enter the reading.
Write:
12:51
